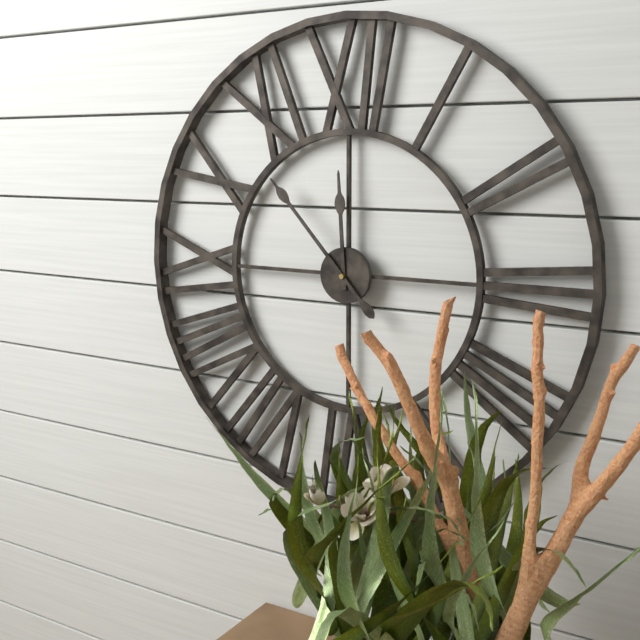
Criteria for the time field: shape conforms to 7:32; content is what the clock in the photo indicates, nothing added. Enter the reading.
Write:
11:53
